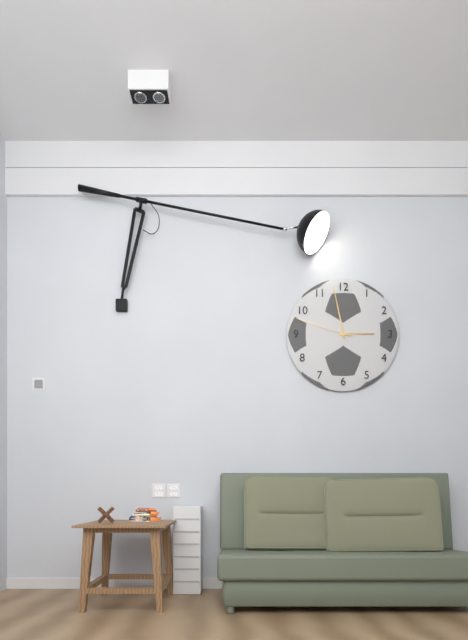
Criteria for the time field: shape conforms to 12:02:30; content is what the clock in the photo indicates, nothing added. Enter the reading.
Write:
2:58:48
